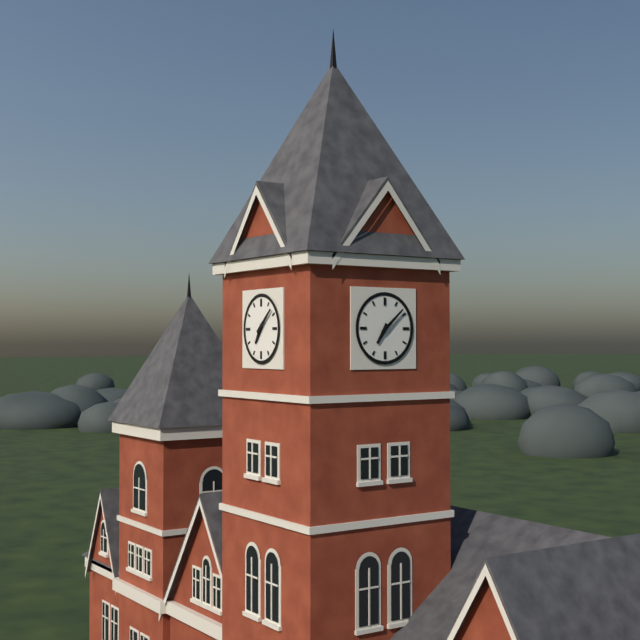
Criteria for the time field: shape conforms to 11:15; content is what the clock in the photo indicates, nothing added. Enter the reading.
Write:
7:08
